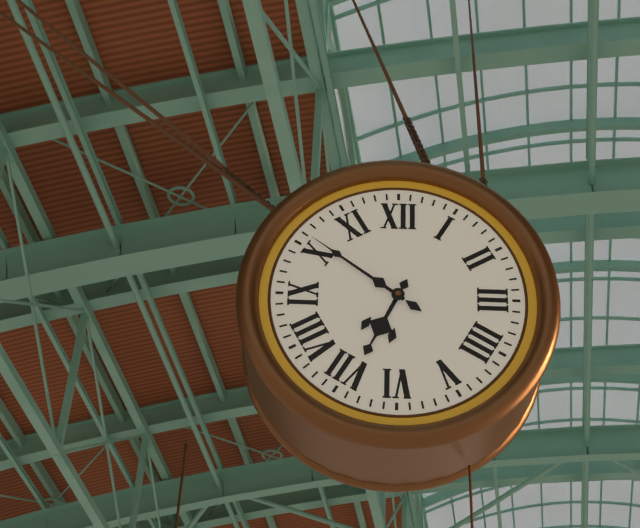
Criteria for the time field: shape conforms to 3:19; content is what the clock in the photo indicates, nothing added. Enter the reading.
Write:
6:51
